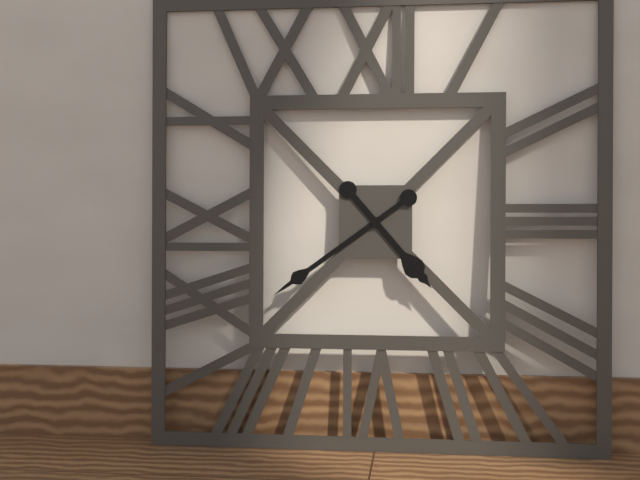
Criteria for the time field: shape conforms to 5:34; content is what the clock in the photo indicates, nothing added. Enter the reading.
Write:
4:39
